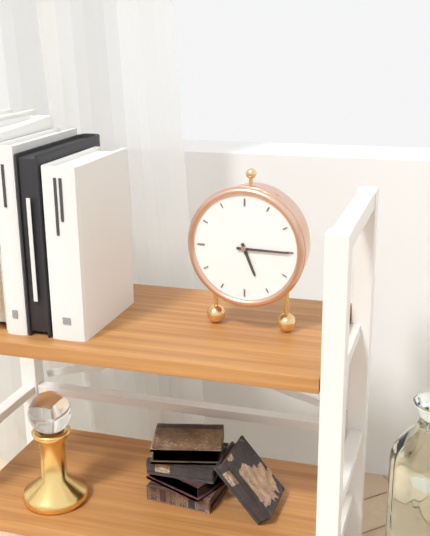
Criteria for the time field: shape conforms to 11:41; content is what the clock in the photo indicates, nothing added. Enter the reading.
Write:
5:15
